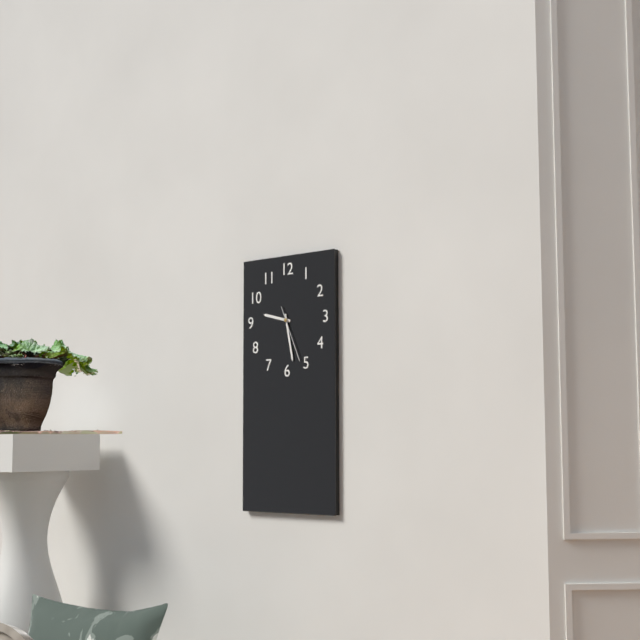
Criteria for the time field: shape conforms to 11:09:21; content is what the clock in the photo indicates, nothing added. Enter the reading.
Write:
9:28:26
